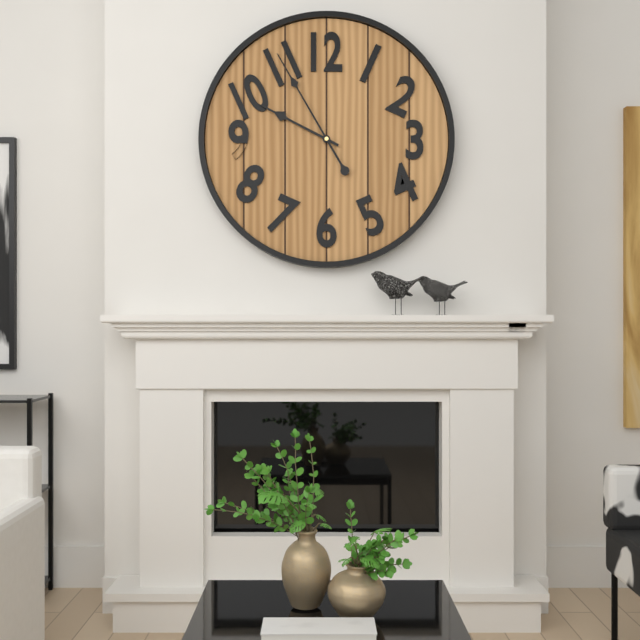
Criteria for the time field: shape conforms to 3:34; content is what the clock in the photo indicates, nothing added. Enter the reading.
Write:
9:55
